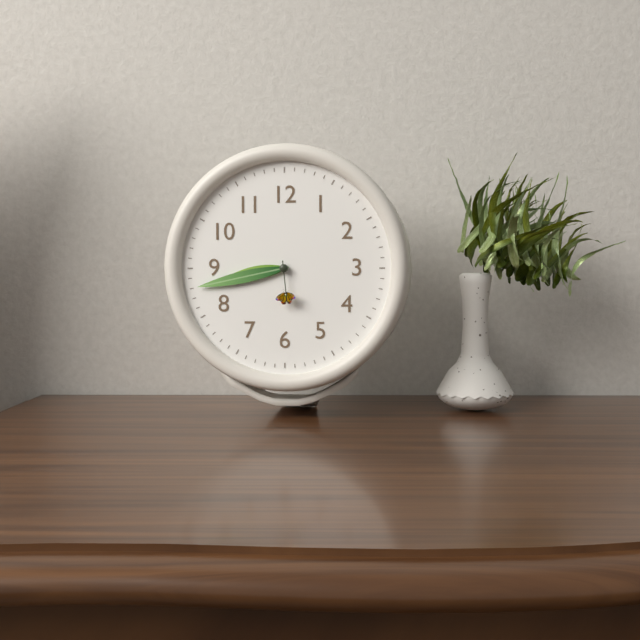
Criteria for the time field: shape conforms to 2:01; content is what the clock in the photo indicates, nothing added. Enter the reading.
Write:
8:43
